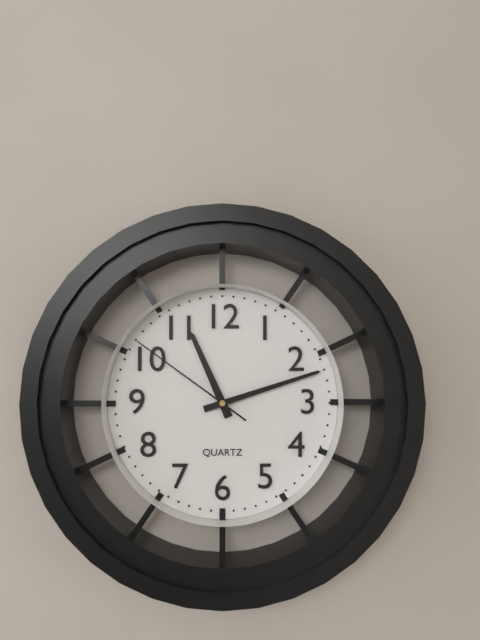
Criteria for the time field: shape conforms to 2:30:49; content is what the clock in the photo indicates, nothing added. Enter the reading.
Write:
11:12:51
